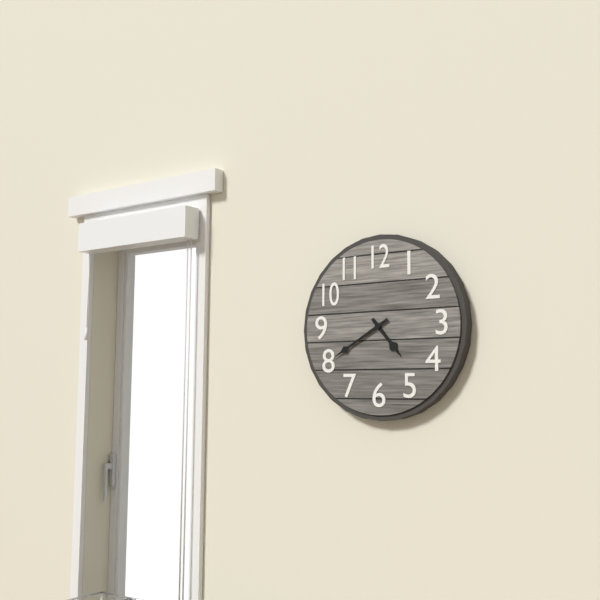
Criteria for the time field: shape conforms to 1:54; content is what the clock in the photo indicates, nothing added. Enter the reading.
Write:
4:40
